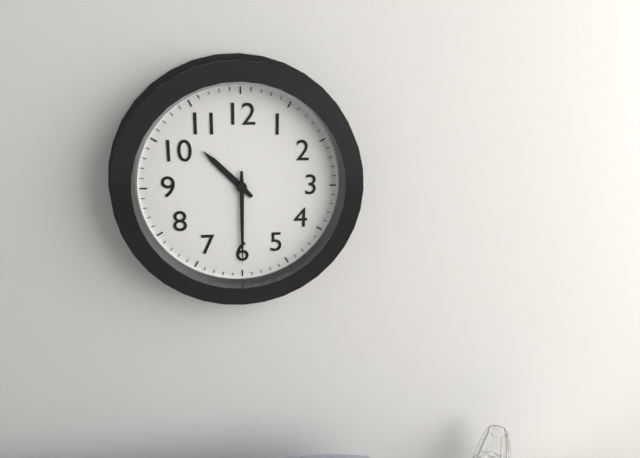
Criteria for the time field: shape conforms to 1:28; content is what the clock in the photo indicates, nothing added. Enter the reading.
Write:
10:30
